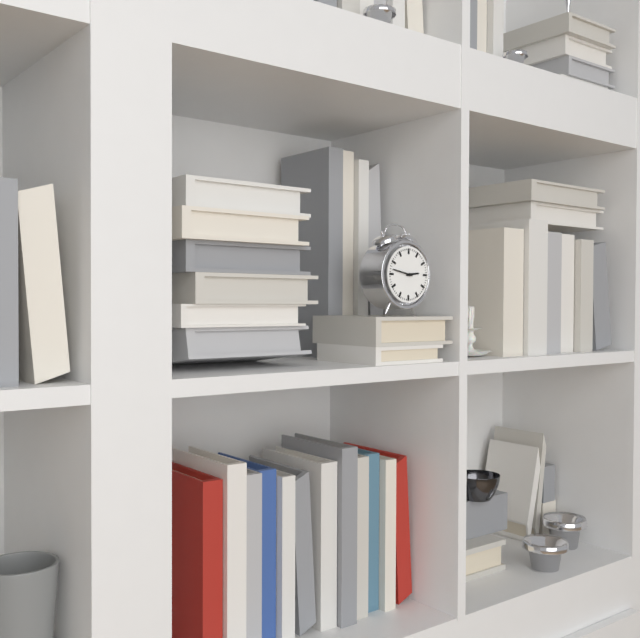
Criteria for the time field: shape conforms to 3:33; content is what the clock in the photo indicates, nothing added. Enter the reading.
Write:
2:47
